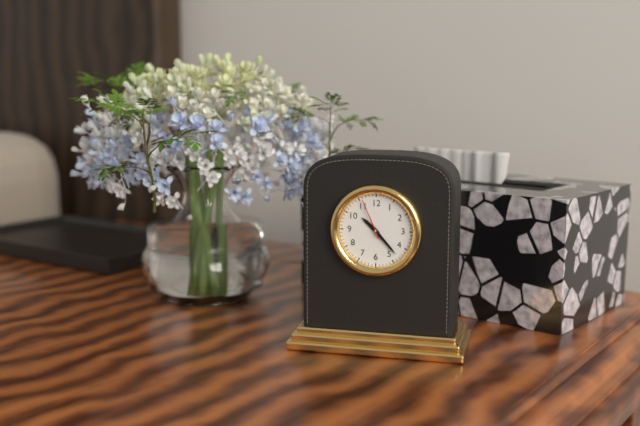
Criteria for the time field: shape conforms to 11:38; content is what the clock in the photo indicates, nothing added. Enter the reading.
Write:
10:23
